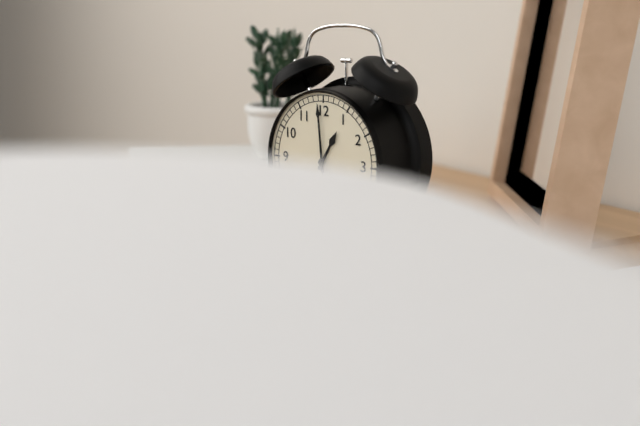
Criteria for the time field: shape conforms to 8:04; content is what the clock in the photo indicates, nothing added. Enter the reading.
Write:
12:59
